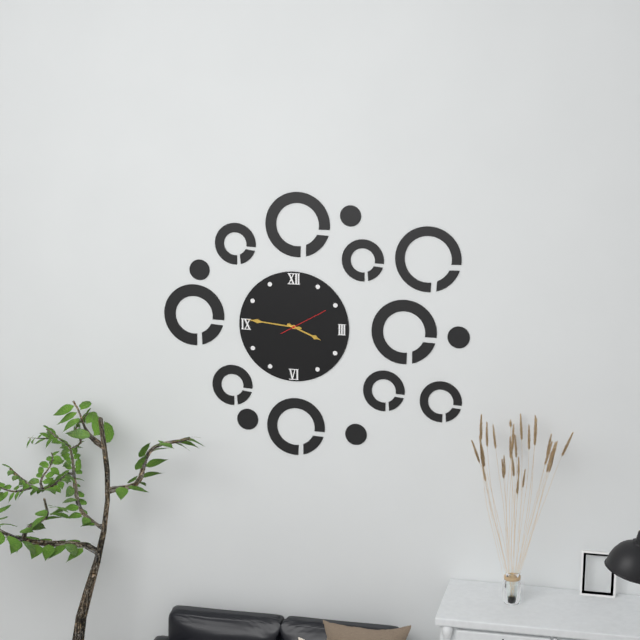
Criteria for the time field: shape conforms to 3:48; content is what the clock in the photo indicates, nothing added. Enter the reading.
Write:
3:46
